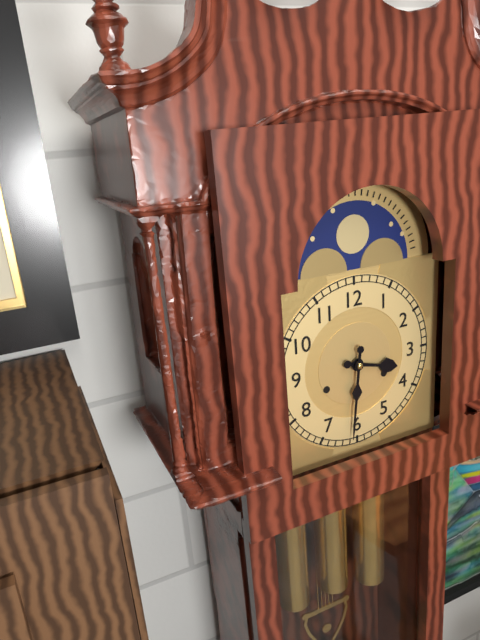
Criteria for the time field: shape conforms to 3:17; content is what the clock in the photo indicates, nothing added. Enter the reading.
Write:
3:31
